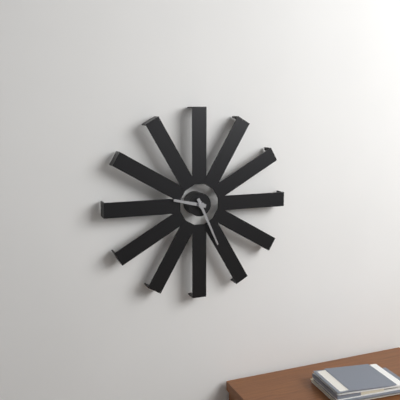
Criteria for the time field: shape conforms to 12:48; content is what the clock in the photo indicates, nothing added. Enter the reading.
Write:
9:26
